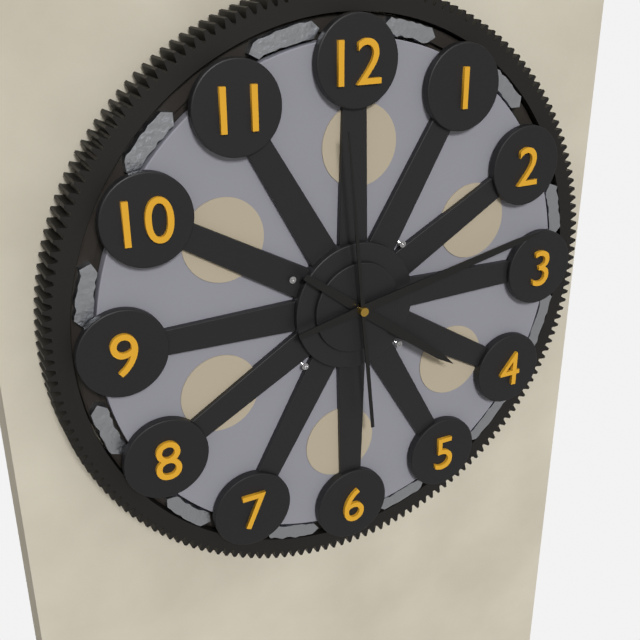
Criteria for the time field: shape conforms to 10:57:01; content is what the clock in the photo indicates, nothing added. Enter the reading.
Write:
4:13:59
